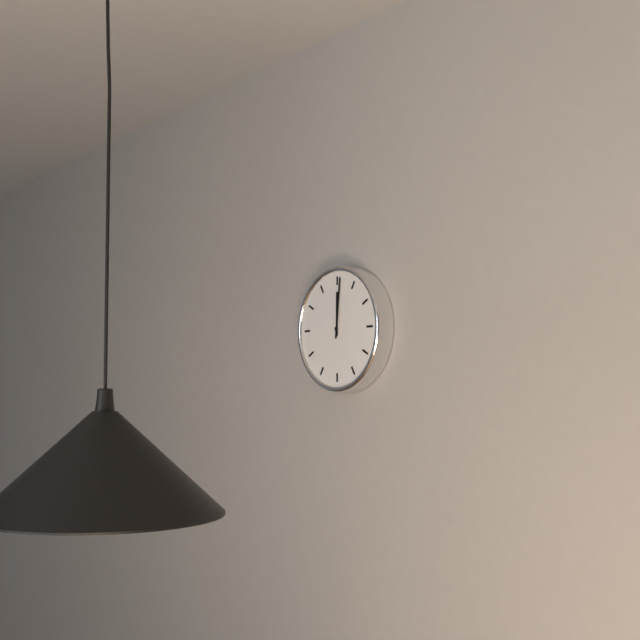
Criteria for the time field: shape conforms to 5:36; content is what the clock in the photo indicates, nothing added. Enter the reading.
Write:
12:01
